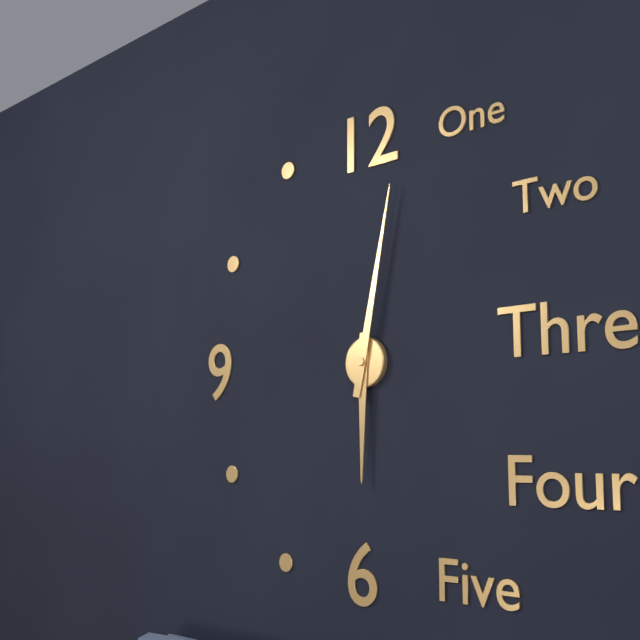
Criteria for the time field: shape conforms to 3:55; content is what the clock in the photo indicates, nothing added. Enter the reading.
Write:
6:02
